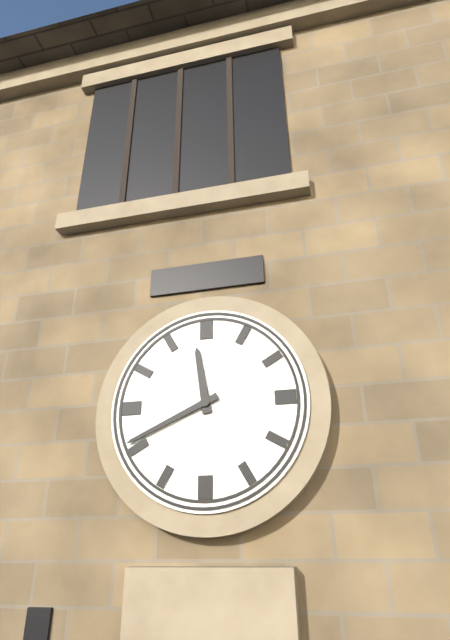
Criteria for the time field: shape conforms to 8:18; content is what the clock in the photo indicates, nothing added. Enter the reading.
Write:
11:41
